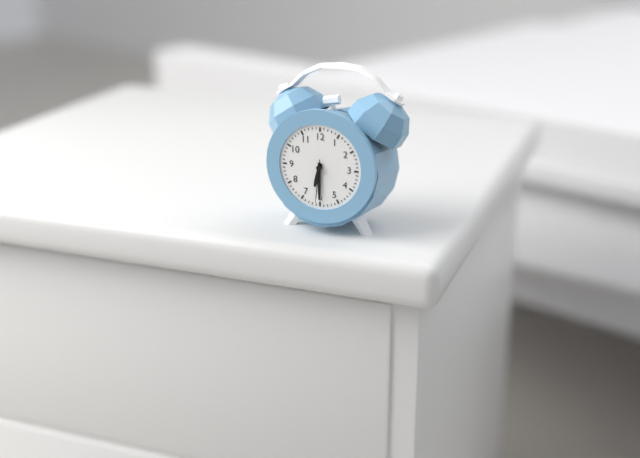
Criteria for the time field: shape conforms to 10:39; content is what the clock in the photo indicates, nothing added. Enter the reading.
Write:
6:30
